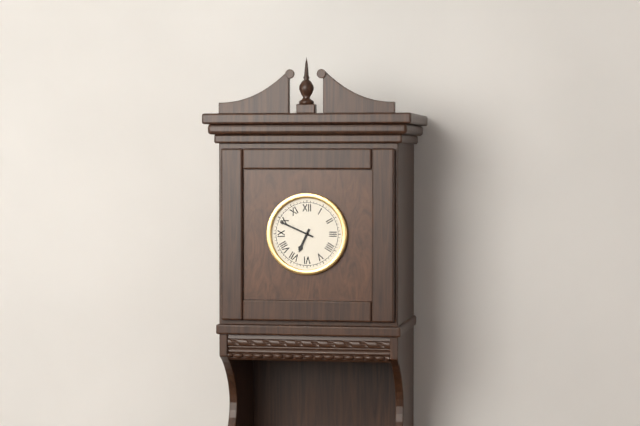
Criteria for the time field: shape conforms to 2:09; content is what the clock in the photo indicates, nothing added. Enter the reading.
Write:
6:49
